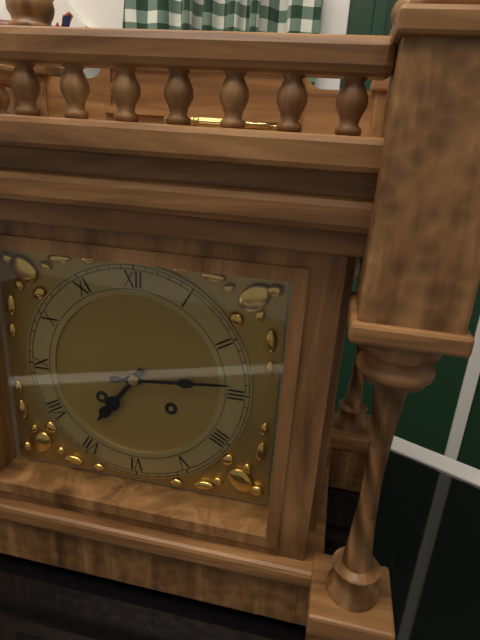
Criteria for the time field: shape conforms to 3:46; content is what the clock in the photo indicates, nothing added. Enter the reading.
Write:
7:14
